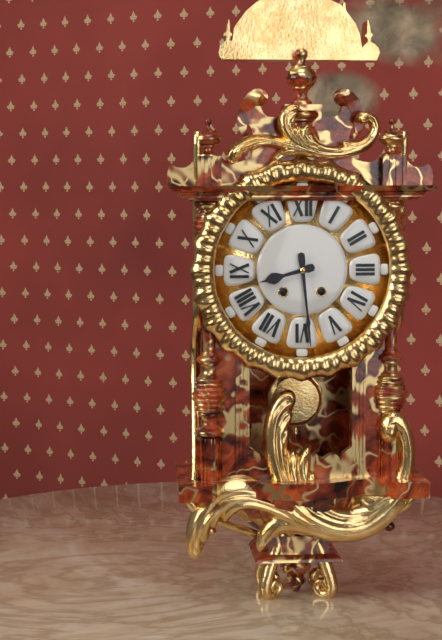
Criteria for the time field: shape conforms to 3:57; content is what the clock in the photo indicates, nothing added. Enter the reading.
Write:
8:29
